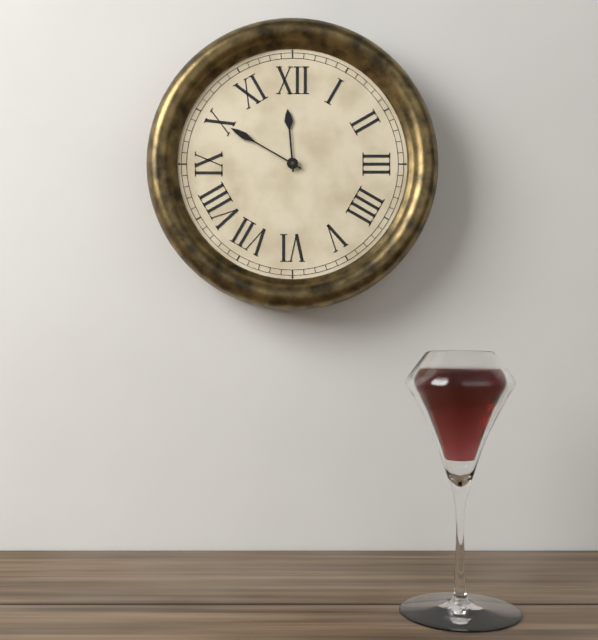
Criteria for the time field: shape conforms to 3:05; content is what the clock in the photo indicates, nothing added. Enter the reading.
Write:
11:50
